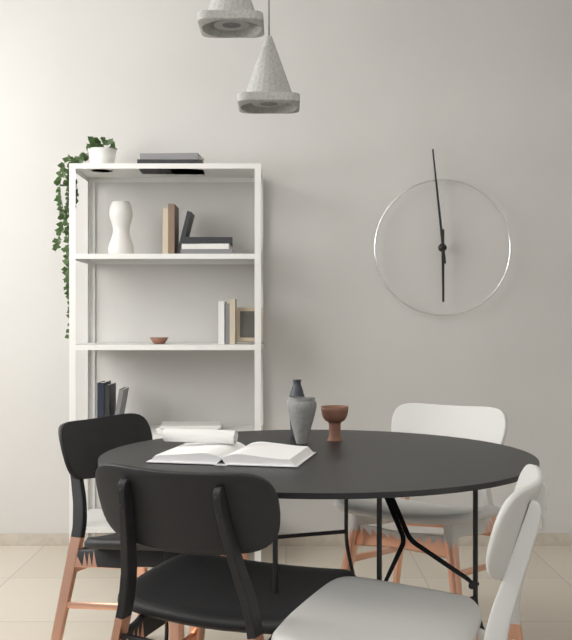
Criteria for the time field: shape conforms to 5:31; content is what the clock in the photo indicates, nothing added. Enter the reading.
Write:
5:59
